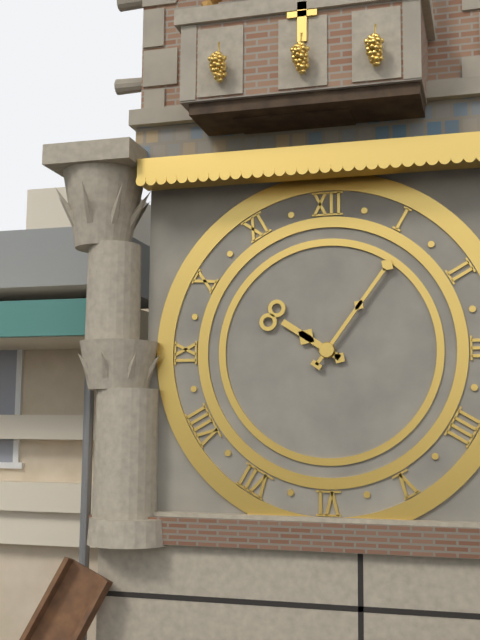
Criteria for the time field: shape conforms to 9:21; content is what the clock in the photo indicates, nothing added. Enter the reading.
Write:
10:06
